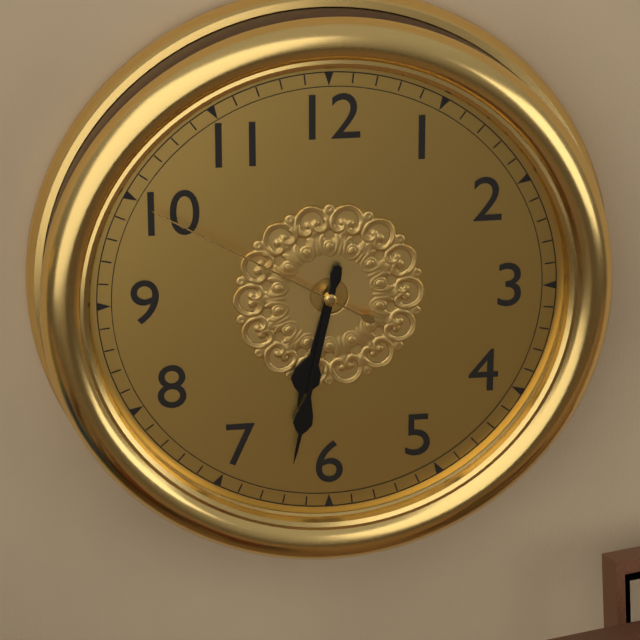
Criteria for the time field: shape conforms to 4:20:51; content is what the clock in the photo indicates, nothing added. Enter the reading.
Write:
6:32:50
